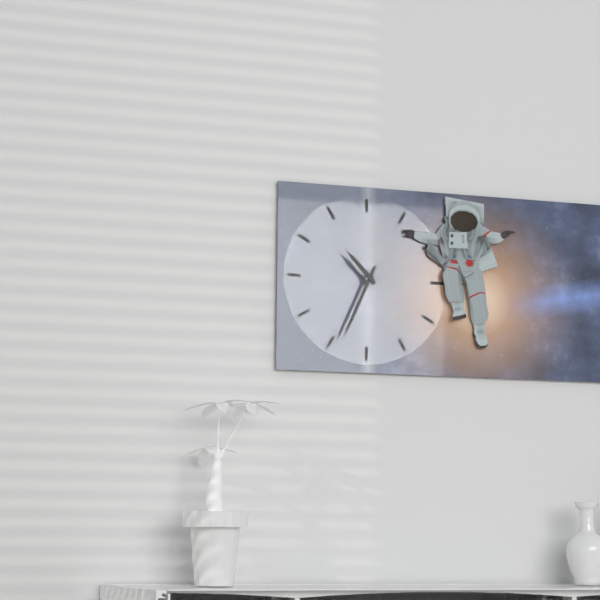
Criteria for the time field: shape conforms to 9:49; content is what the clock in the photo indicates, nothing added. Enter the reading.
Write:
10:34
